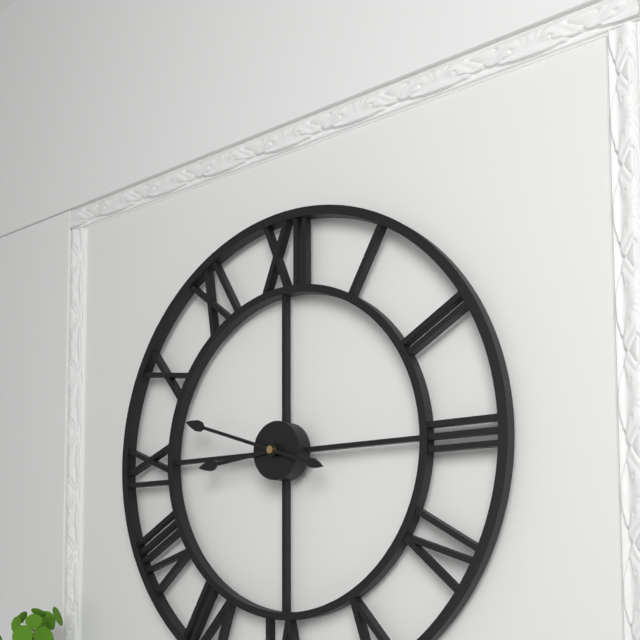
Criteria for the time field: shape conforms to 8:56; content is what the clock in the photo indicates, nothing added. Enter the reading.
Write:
8:48
